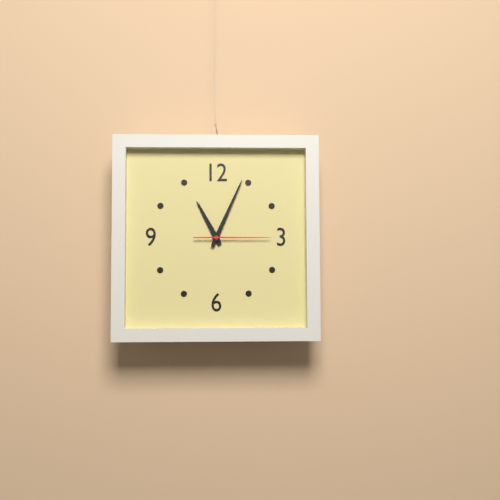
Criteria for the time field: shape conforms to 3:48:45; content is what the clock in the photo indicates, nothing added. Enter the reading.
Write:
11:04:15
